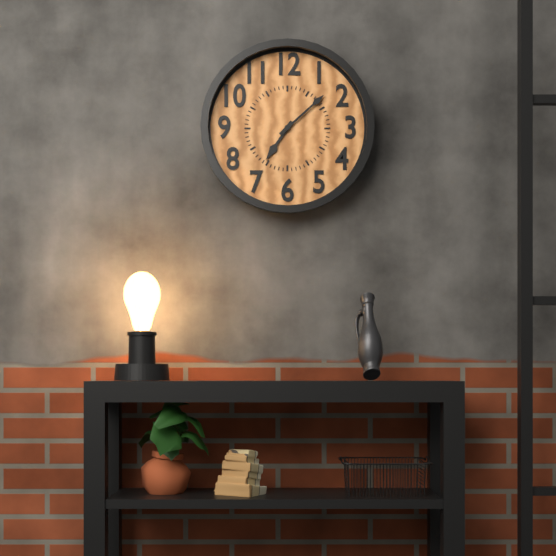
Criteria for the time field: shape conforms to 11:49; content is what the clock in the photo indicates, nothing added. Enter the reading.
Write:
7:08
